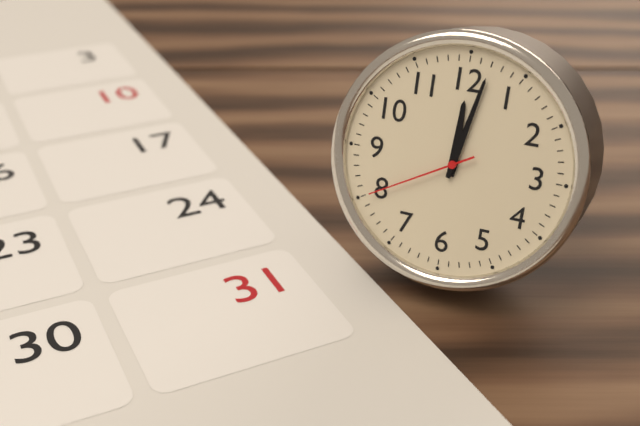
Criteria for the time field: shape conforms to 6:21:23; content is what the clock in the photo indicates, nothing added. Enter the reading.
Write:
12:02:40
